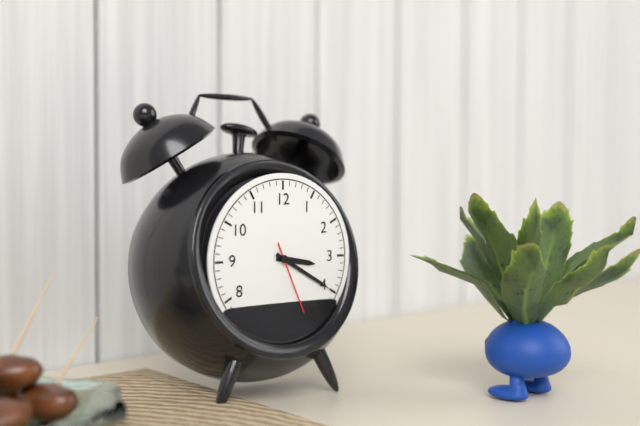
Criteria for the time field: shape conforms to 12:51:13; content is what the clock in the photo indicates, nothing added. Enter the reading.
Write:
3:20:26
